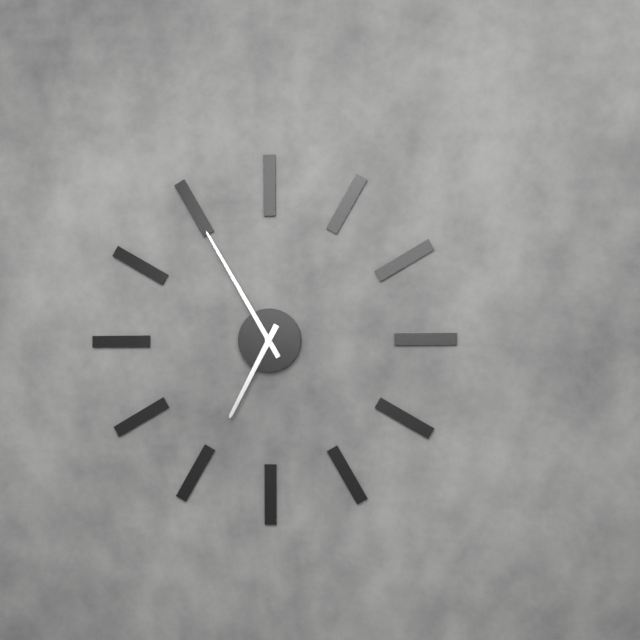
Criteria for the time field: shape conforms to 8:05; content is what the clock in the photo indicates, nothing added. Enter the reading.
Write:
6:55
